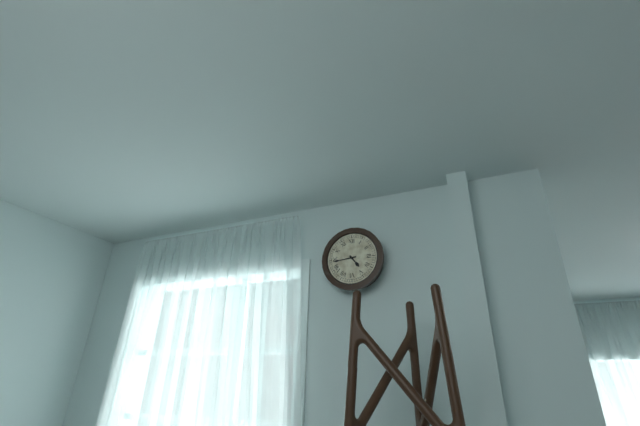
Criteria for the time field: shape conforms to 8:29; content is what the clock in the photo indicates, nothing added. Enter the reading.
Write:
4:44
